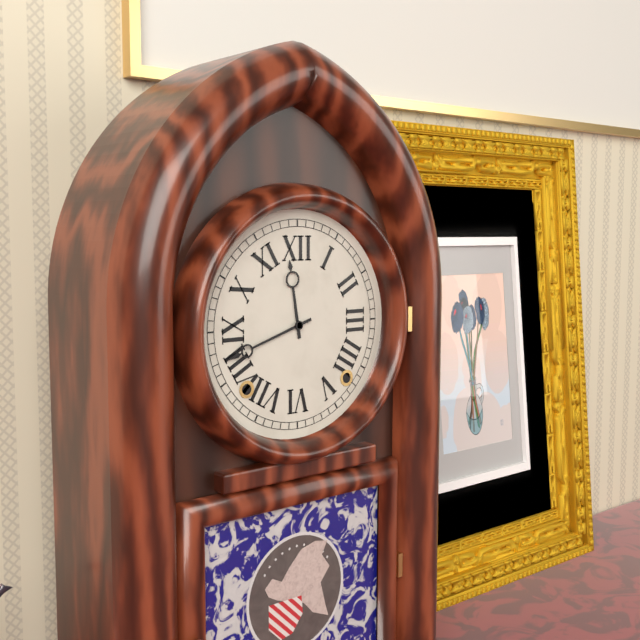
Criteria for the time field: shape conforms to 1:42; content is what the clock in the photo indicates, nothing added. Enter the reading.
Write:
11:42
